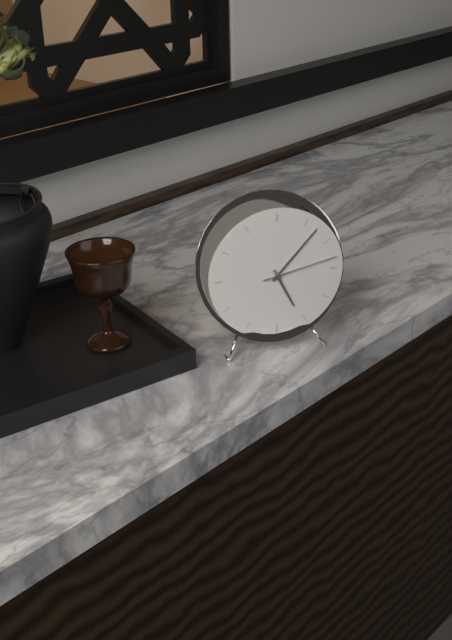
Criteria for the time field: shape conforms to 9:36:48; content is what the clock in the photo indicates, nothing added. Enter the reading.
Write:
5:07:13
